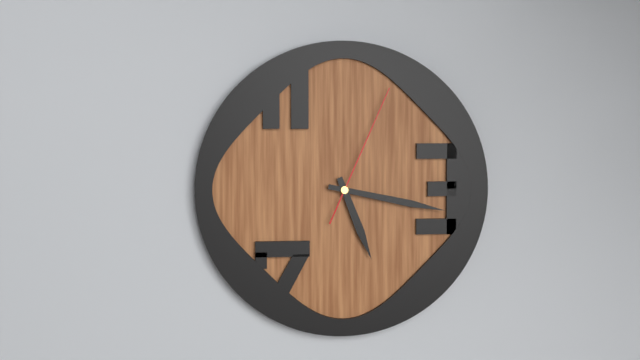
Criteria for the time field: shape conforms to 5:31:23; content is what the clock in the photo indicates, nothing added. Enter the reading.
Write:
5:17:04
